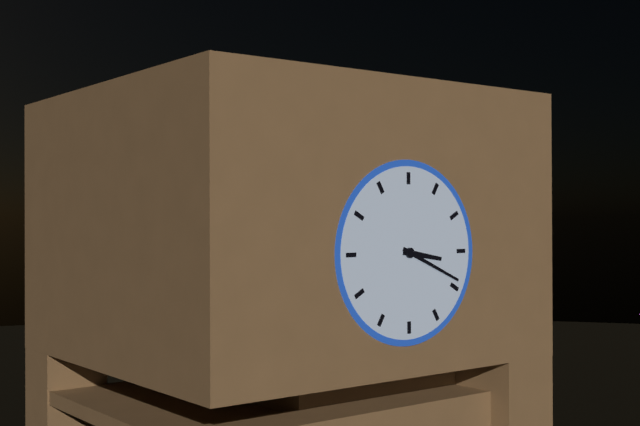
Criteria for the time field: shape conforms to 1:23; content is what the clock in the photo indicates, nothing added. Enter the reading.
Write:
3:19
